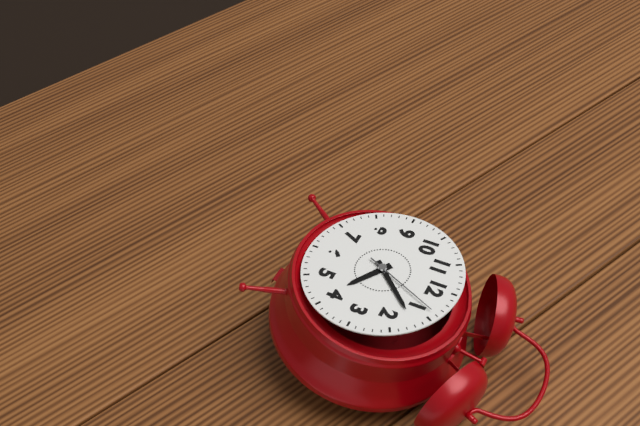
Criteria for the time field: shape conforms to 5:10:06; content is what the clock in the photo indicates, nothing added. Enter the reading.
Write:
4:07:04
